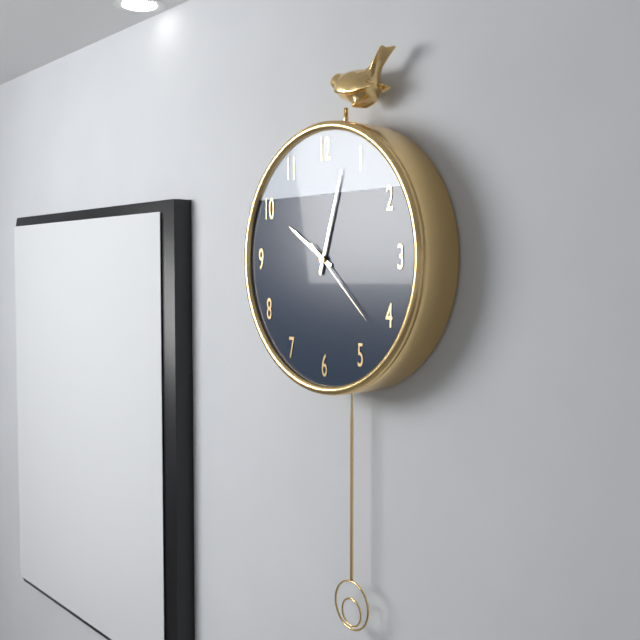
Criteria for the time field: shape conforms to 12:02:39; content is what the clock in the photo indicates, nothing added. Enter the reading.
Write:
10:03:22
